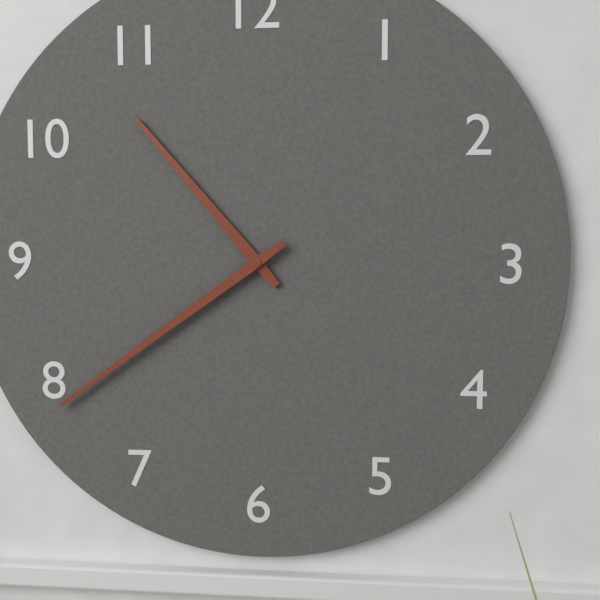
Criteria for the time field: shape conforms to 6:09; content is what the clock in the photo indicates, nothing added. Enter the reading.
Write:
10:39
